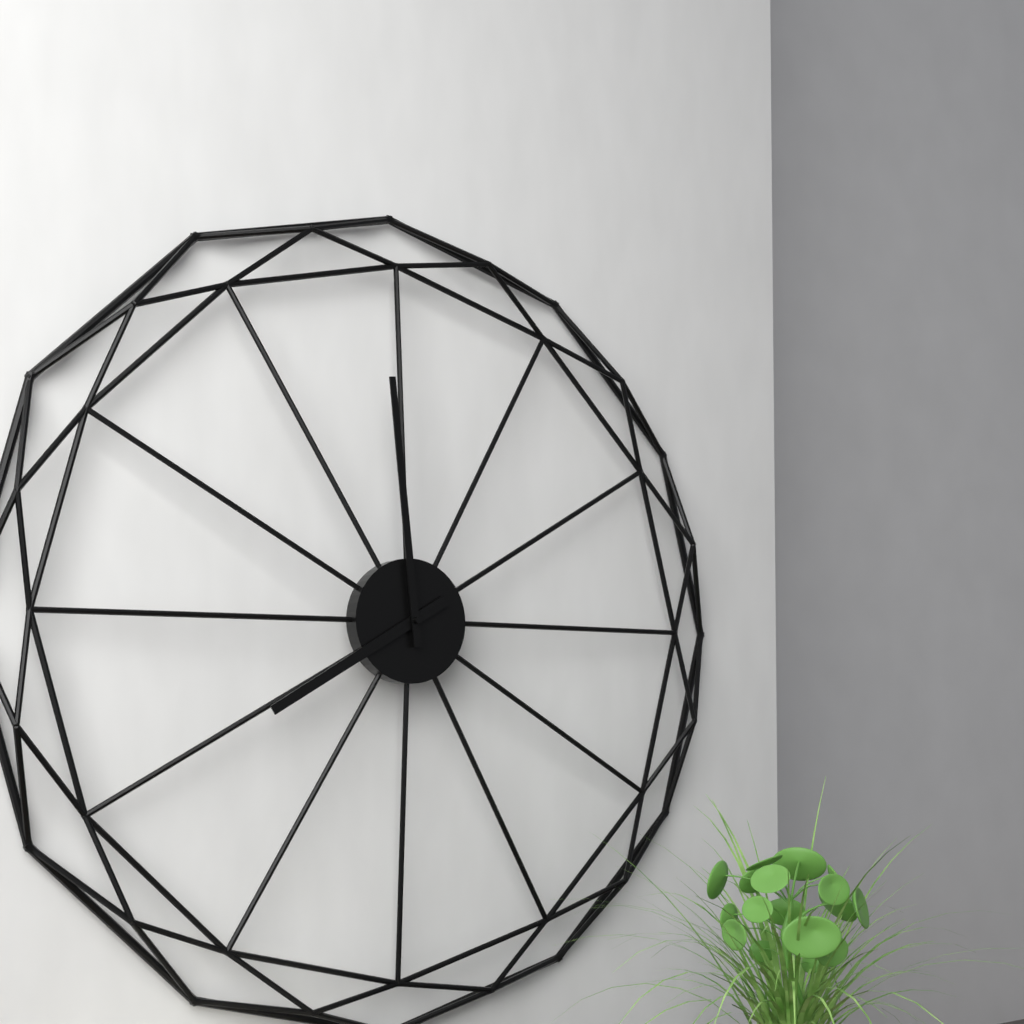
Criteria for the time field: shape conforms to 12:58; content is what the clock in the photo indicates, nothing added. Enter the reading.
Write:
7:59
